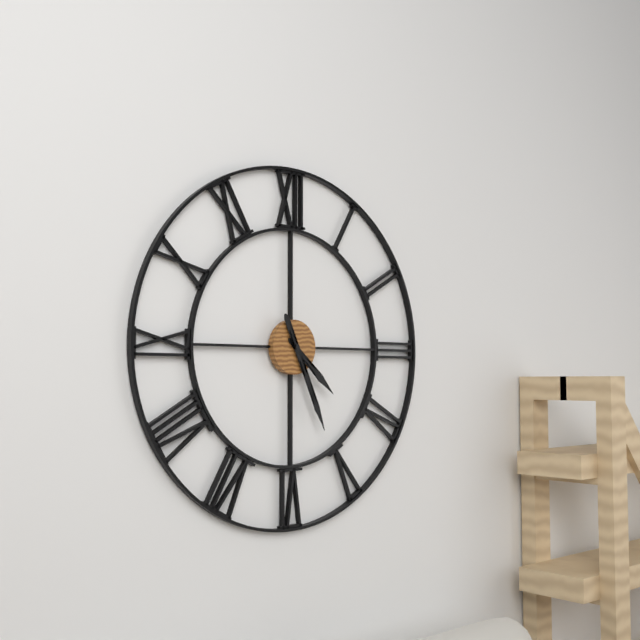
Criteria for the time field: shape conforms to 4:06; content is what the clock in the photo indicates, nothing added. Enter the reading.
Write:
4:26
